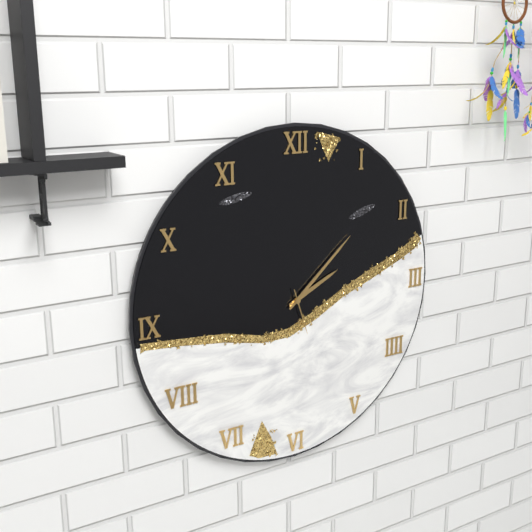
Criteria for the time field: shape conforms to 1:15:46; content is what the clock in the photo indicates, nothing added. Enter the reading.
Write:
2:08:27
